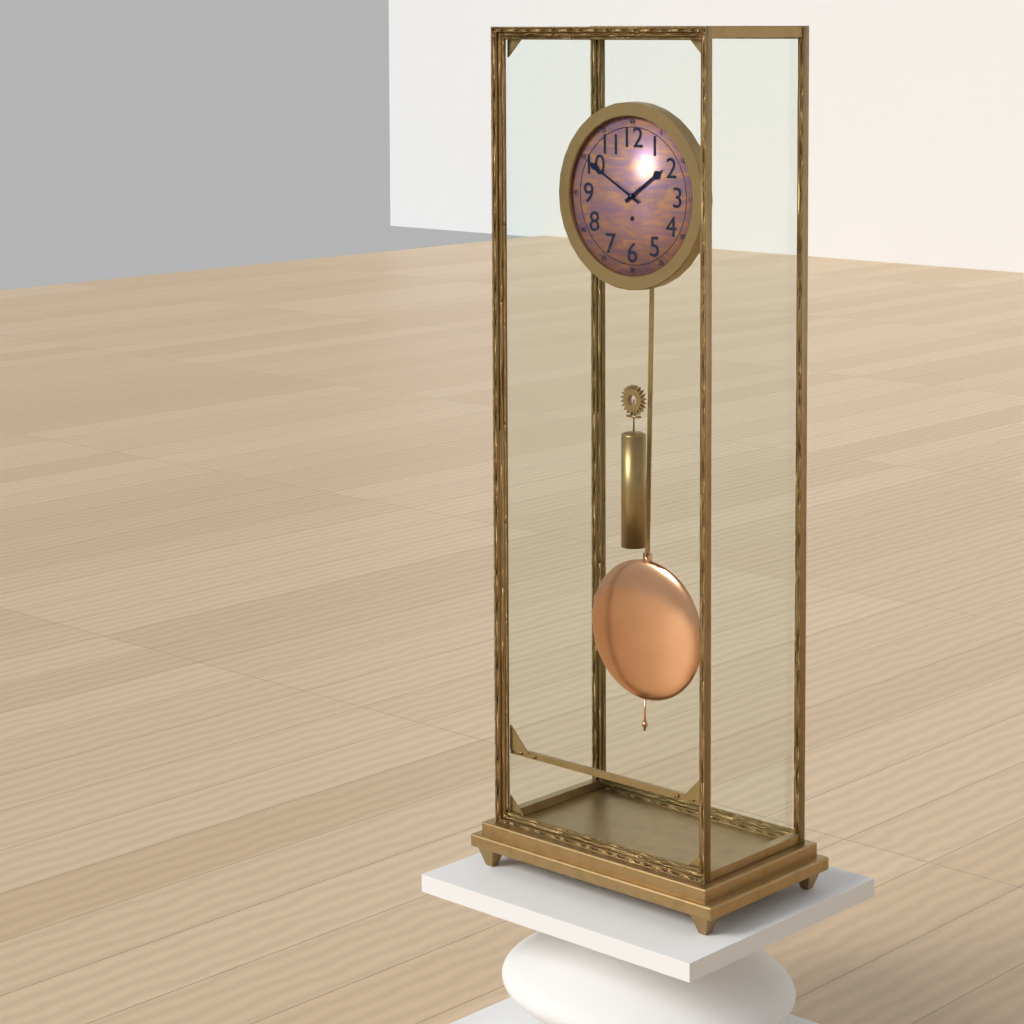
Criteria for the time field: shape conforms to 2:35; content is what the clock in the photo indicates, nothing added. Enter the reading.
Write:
1:50
